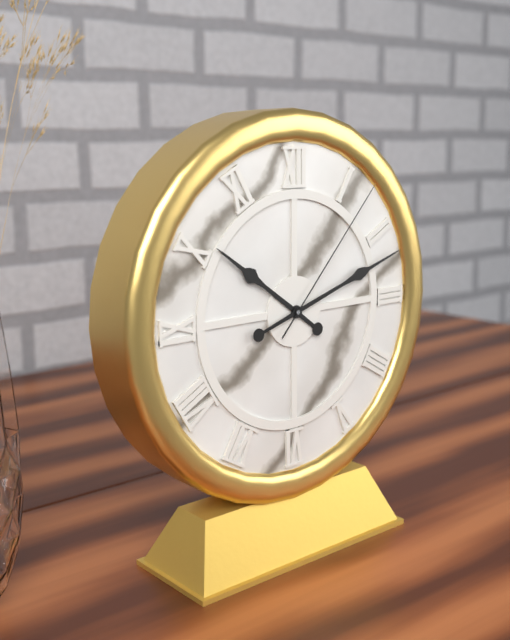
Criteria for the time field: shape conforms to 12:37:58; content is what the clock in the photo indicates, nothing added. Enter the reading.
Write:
10:12:07
